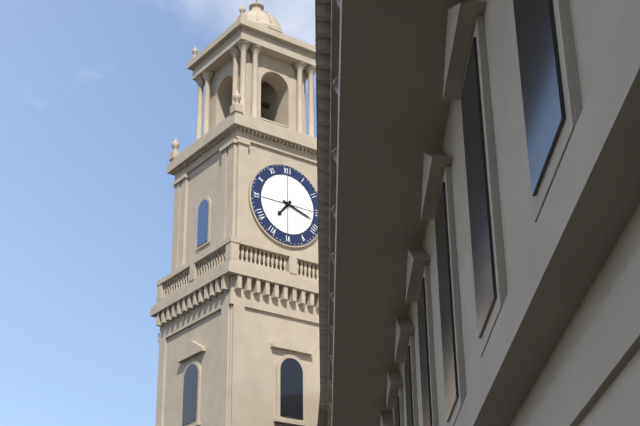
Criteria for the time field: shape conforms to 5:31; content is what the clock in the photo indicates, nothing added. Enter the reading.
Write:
7:18
